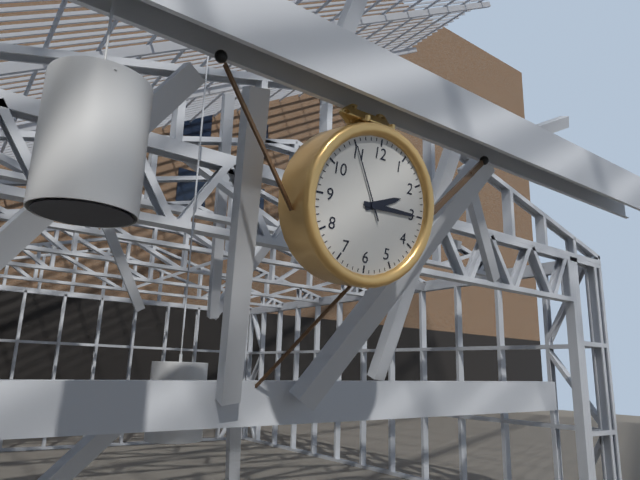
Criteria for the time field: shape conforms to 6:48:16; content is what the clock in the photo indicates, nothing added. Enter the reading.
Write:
2:15:55
